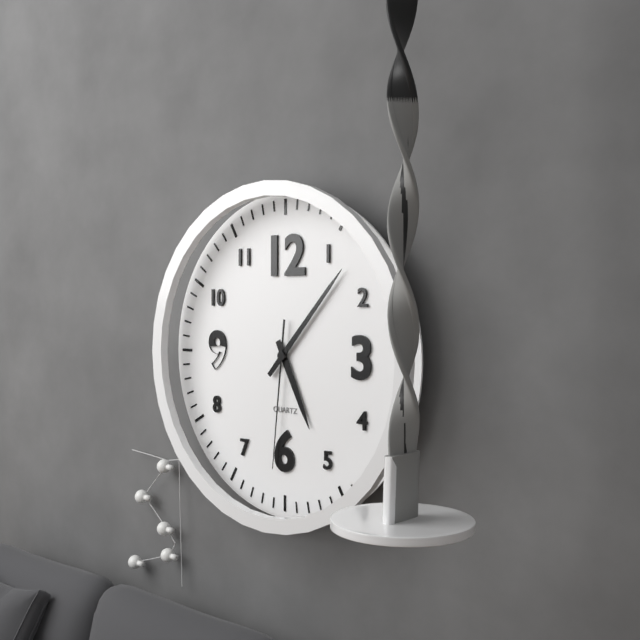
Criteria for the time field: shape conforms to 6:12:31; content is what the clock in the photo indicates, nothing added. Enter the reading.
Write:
5:07:31
